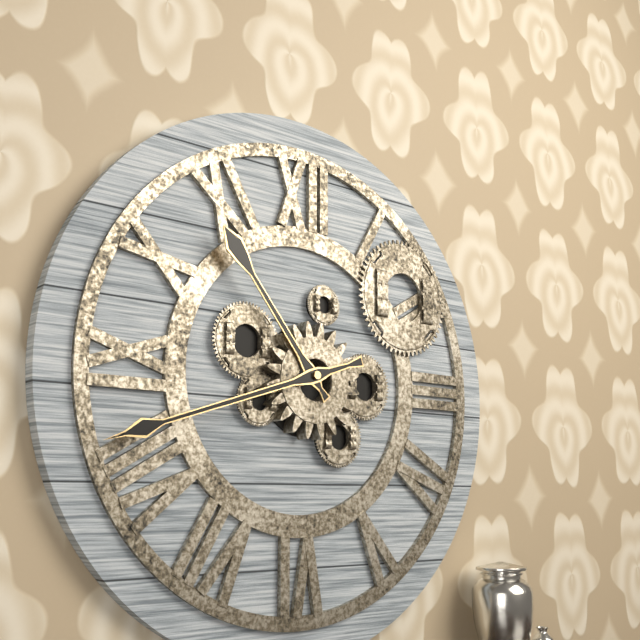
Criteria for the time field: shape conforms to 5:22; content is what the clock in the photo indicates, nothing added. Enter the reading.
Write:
10:42
